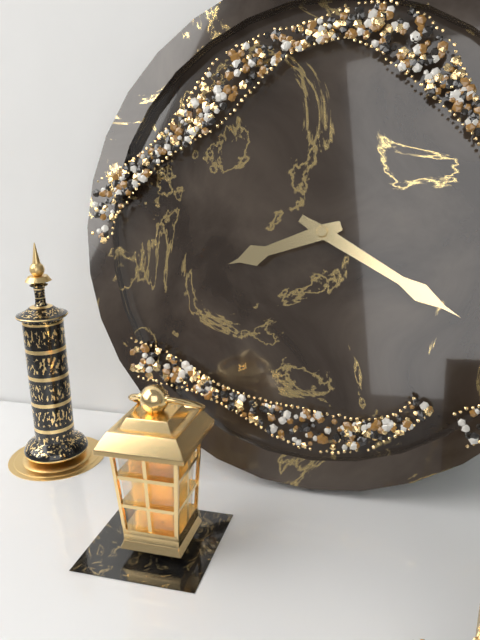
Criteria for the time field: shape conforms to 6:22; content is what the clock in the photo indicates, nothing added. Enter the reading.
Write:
8:20
